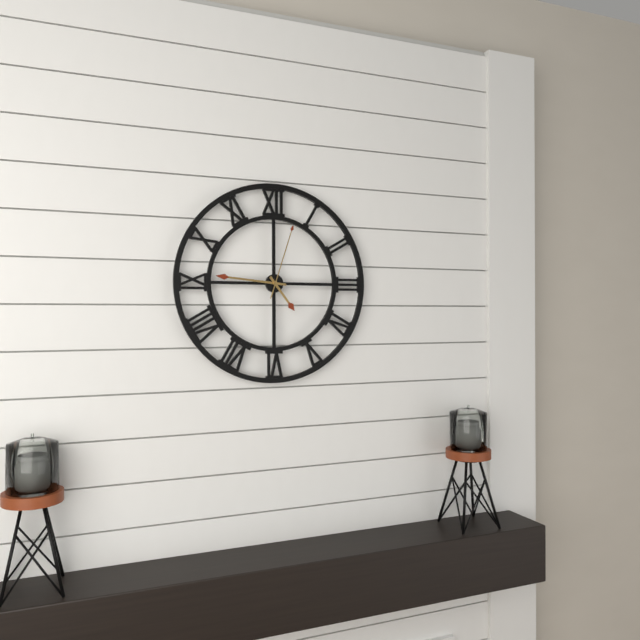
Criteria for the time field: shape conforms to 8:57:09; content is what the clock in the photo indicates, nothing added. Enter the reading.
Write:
4:46:03
